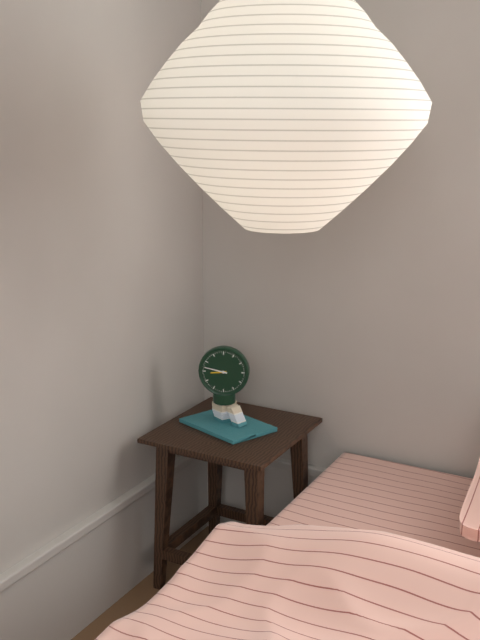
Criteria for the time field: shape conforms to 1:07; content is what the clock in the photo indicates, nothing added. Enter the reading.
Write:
8:47
